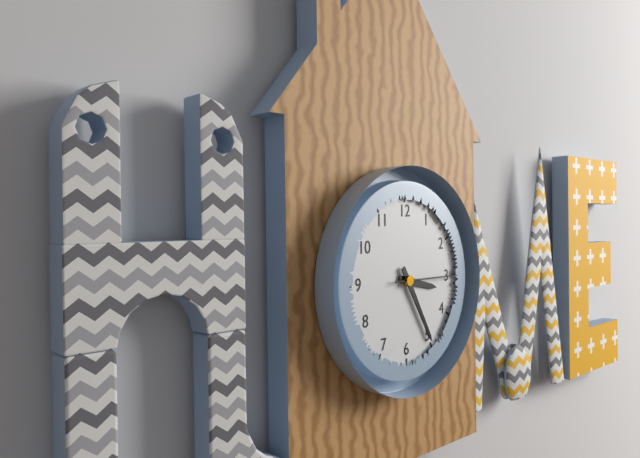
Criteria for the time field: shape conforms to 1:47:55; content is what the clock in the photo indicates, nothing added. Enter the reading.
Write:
3:25:15
